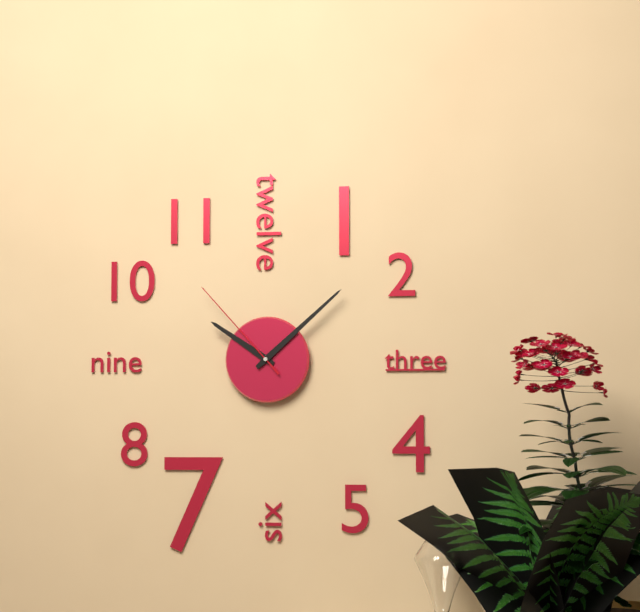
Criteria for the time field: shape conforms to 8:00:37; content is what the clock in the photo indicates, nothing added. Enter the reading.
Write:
10:08:53
